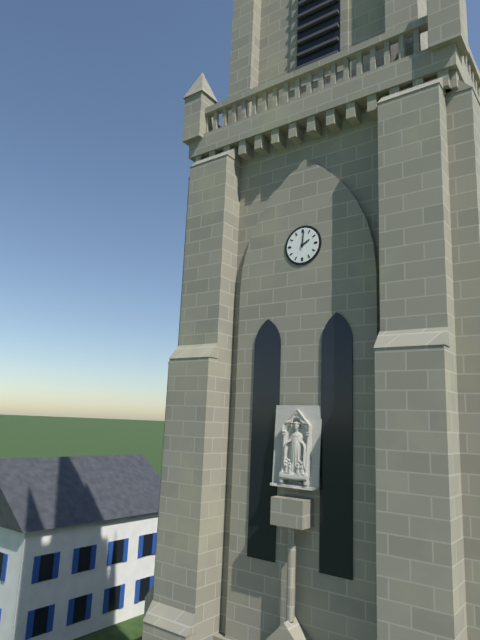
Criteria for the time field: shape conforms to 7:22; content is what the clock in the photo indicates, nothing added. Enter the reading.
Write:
2:01
